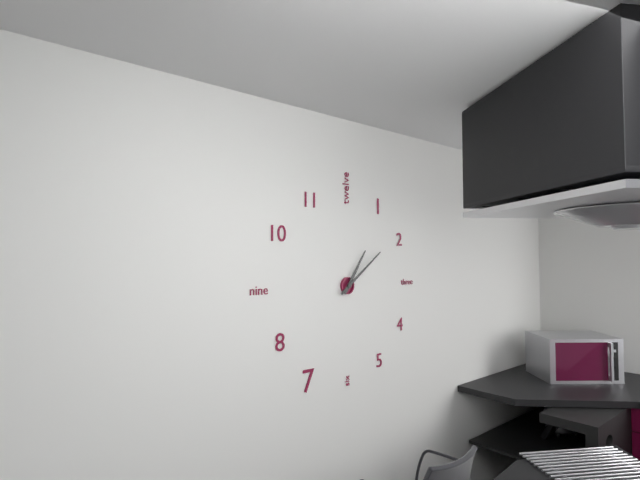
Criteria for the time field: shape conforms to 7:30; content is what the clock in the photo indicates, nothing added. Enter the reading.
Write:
1:09
